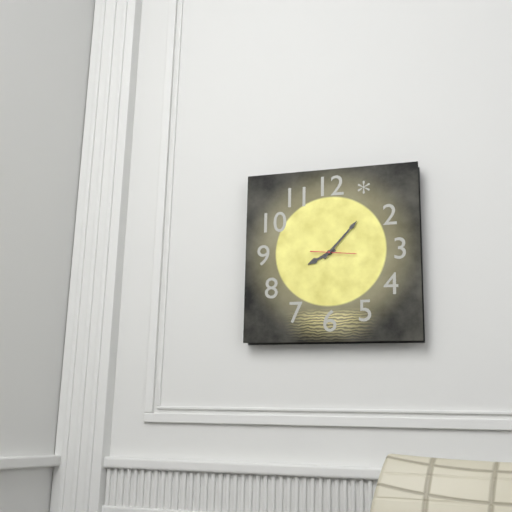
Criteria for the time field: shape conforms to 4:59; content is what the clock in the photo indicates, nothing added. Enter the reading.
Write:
8:07
